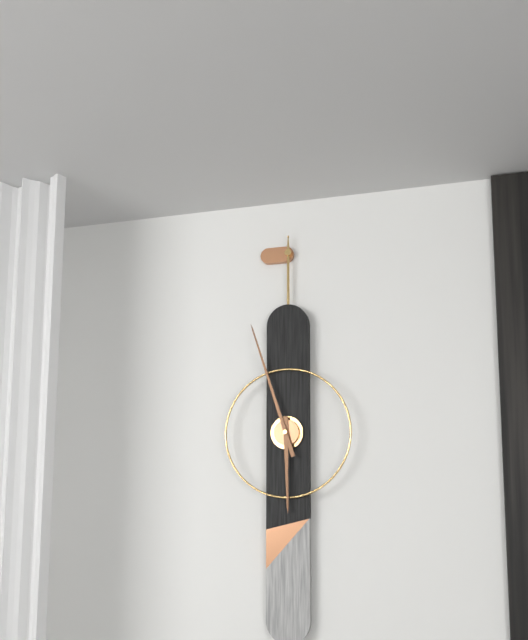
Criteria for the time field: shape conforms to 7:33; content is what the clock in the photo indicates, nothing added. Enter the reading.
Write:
5:57
